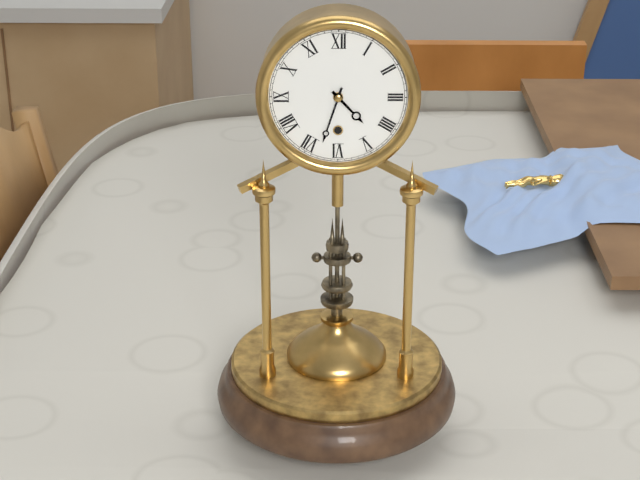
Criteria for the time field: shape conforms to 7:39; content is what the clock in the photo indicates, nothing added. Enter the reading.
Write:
4:33
